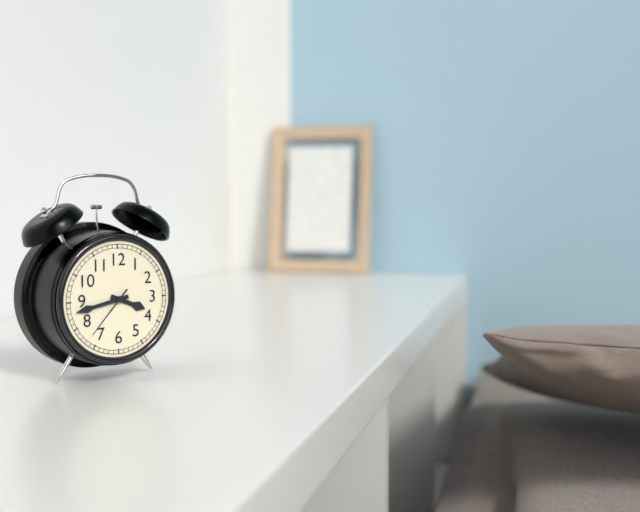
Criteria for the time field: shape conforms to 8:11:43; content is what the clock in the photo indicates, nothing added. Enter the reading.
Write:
3:43:37
